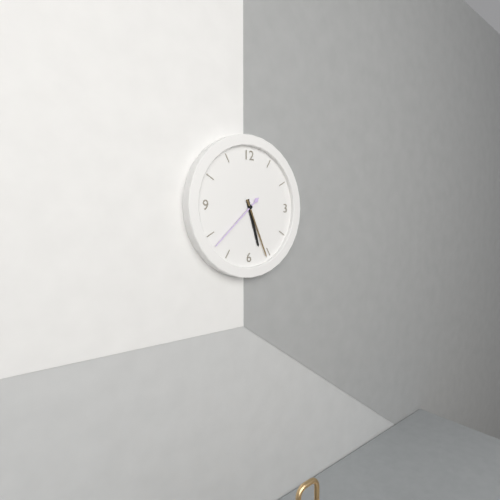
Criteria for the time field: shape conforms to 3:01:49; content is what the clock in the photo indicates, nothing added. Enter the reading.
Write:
5:26:38
